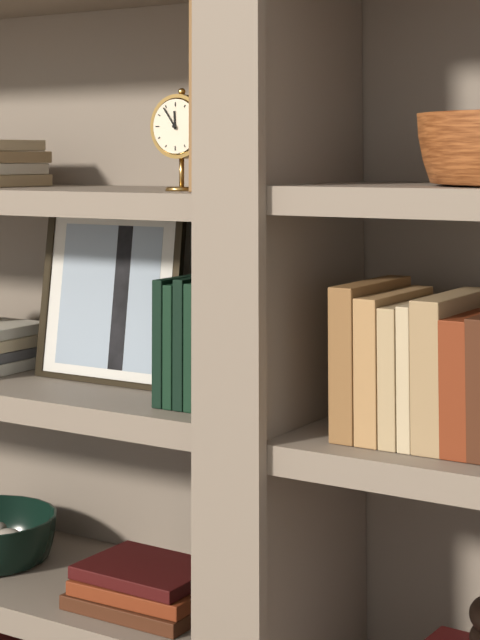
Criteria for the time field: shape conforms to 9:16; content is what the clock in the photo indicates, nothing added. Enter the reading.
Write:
11:54
